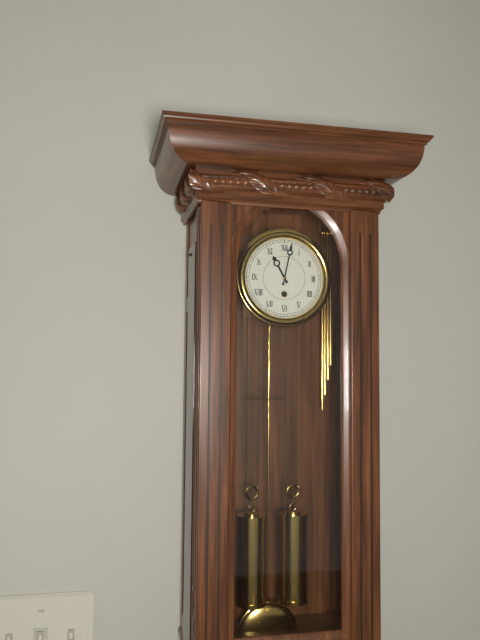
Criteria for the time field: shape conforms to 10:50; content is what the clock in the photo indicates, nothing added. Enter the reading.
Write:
11:02
